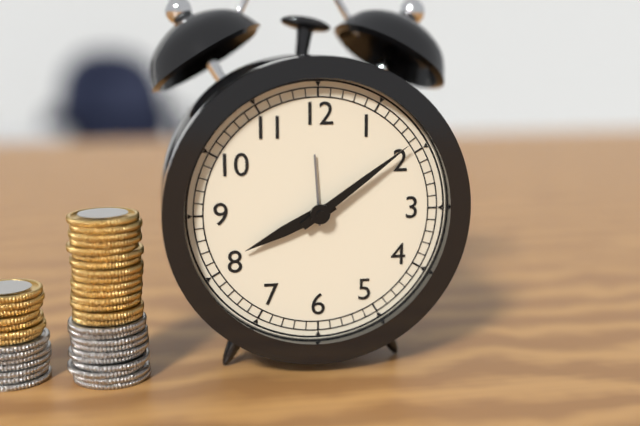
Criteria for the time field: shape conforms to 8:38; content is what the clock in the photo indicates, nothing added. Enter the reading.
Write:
8:09
